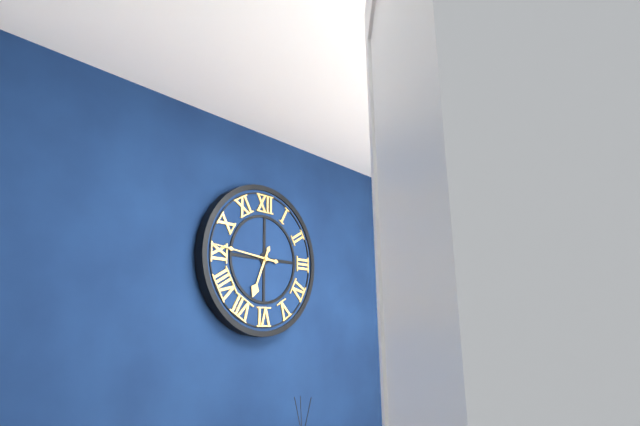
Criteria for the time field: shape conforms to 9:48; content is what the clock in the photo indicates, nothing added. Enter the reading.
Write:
6:46
